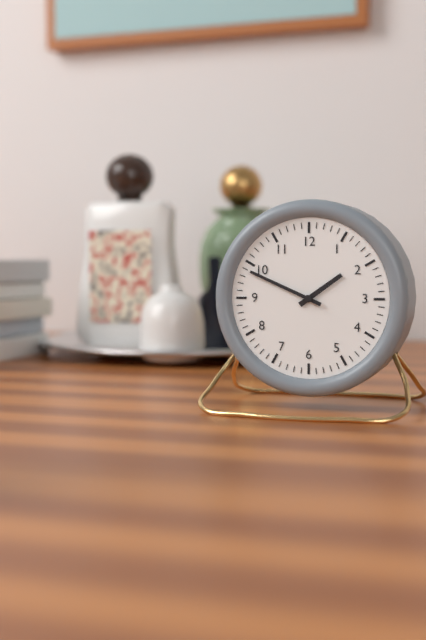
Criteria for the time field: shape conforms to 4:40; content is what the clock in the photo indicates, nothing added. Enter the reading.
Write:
1:49
